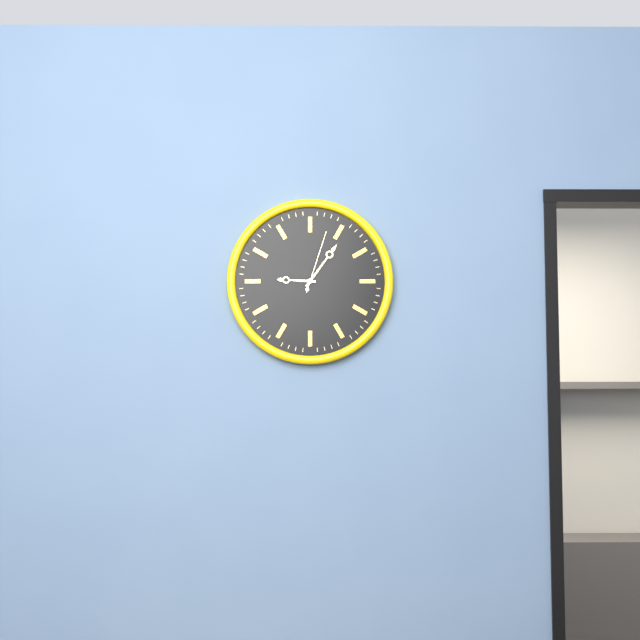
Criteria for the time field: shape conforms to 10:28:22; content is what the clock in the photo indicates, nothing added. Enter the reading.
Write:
9:06:03
